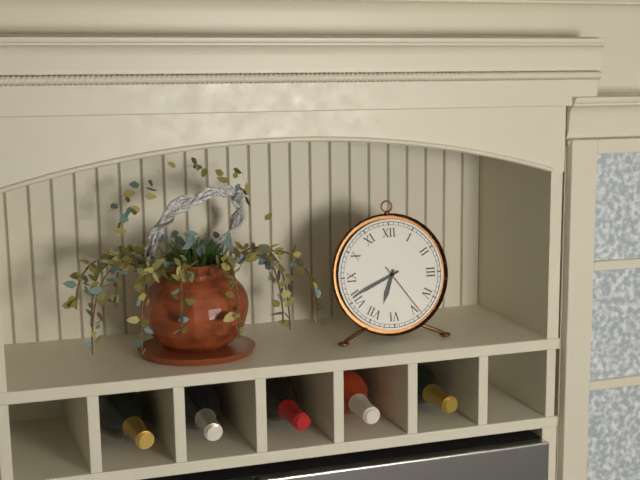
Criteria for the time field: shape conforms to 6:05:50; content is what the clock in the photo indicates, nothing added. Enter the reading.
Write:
6:41:24
